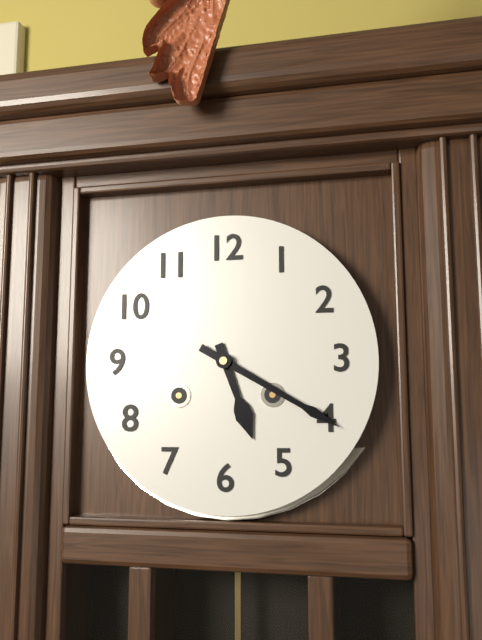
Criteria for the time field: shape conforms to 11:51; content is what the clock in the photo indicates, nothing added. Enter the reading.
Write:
5:20
